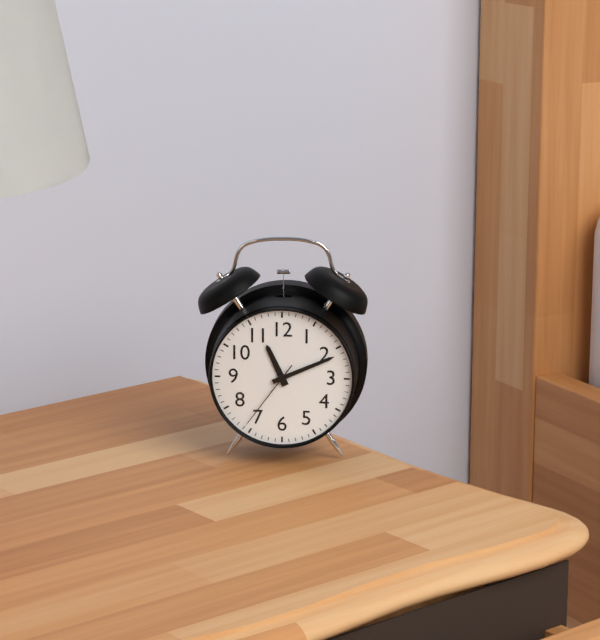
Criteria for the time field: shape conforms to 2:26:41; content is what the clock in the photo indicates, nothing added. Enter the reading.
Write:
11:11:36
